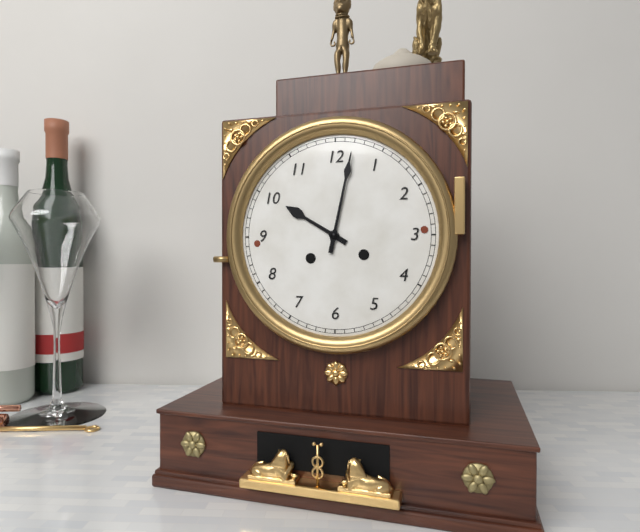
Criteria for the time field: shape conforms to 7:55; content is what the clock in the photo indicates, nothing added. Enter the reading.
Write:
10:02
